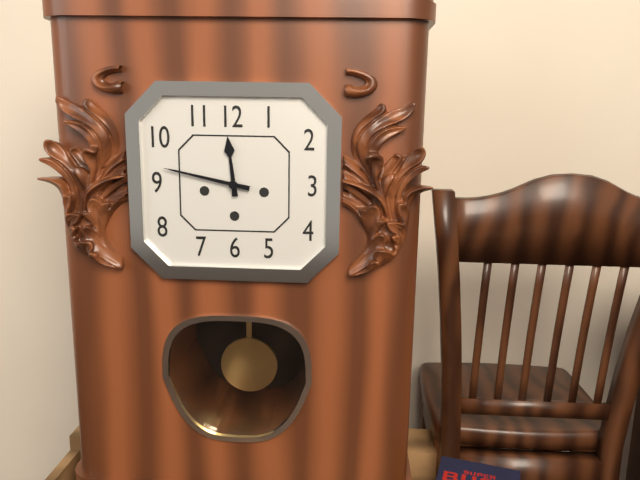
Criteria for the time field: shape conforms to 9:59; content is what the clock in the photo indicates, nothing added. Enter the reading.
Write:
11:47
